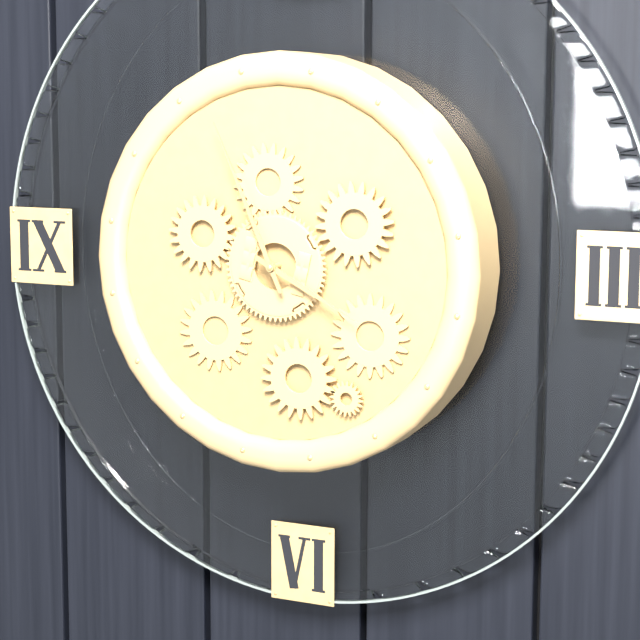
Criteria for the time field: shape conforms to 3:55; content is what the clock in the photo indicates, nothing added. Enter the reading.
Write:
3:56
